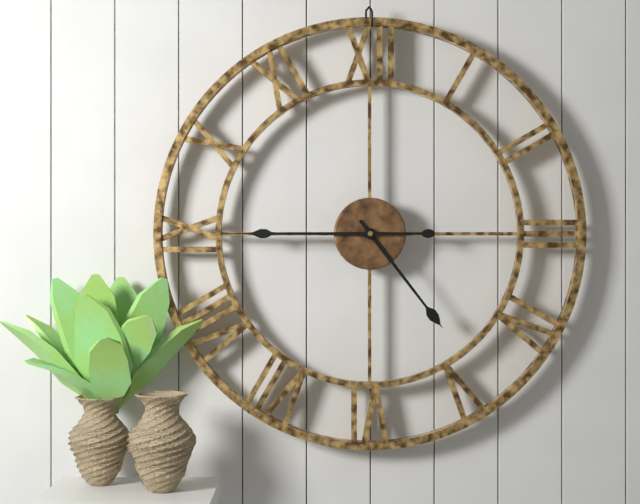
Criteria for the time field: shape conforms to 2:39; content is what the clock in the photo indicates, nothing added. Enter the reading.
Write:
4:45
